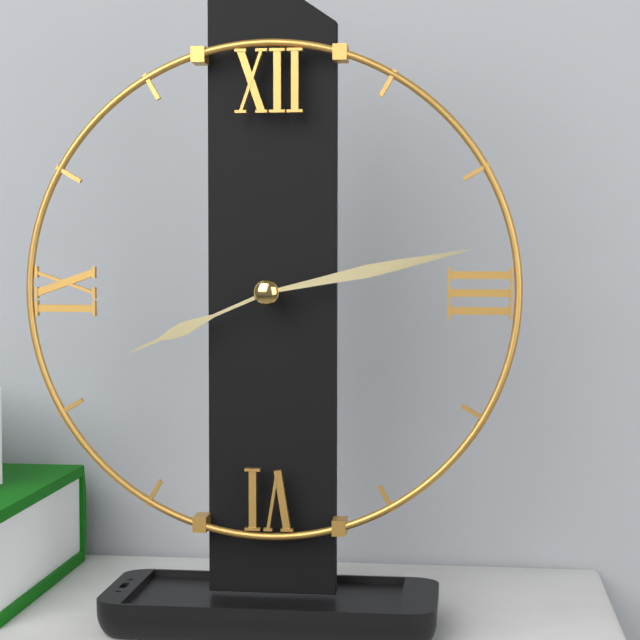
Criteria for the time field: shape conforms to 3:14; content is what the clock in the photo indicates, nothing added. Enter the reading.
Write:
8:13
